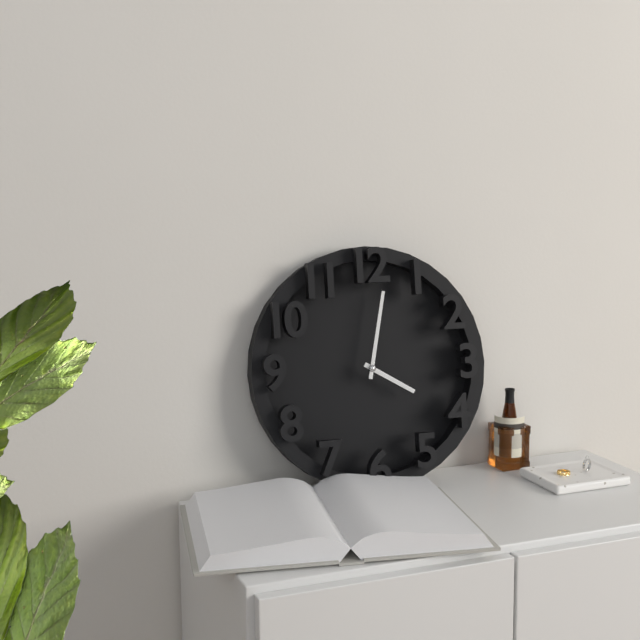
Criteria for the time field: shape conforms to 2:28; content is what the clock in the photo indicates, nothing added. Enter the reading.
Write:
4:02
